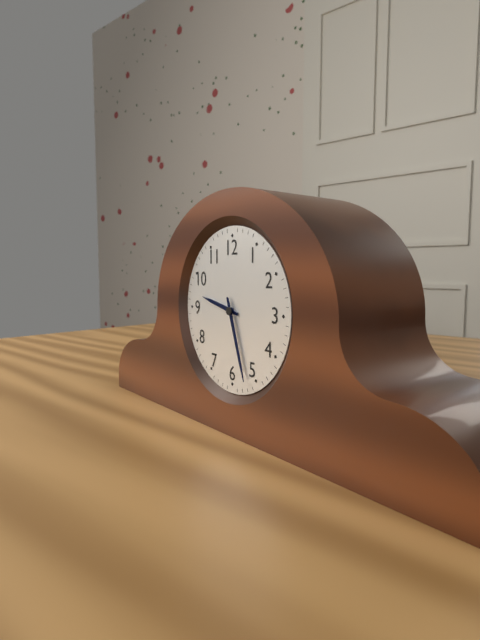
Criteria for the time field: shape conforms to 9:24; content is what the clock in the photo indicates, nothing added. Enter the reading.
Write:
9:27
